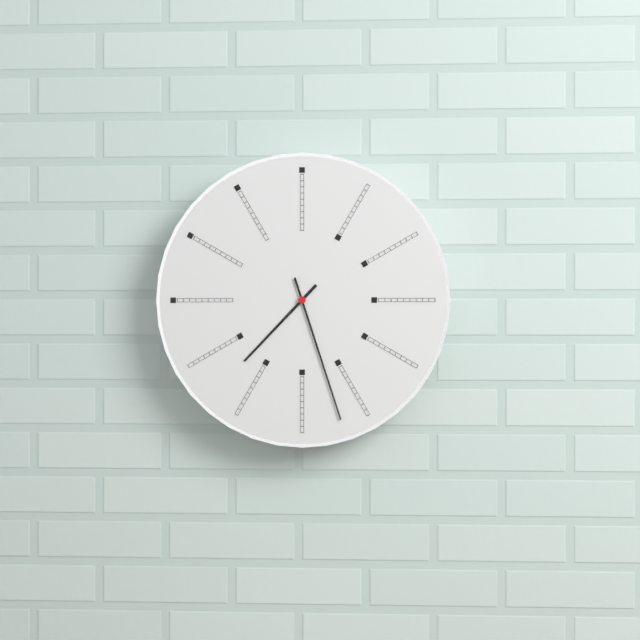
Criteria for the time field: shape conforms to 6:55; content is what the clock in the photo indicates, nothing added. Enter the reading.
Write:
7:27
